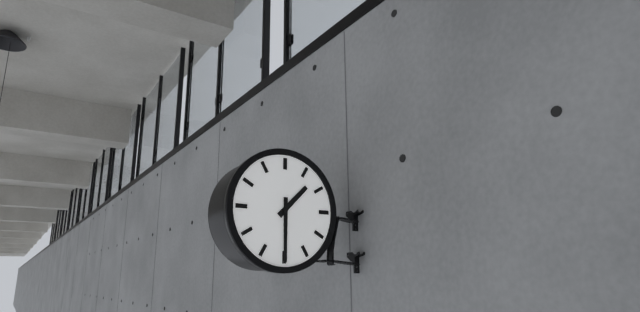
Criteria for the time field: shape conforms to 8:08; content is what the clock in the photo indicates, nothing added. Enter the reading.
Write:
1:30
